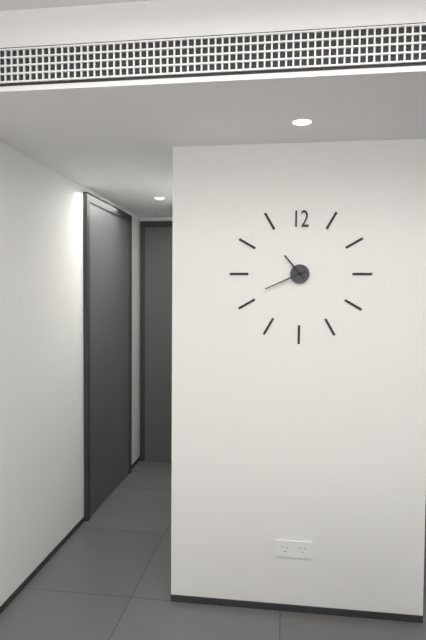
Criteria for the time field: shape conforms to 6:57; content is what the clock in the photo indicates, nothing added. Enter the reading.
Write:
10:41
